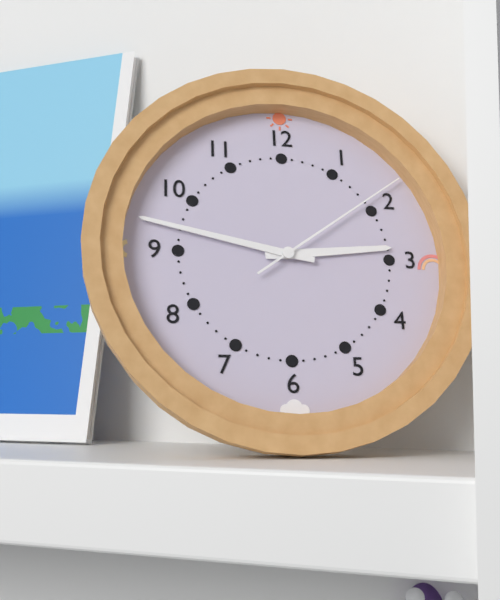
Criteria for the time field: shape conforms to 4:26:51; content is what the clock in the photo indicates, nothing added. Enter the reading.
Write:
2:47:09
